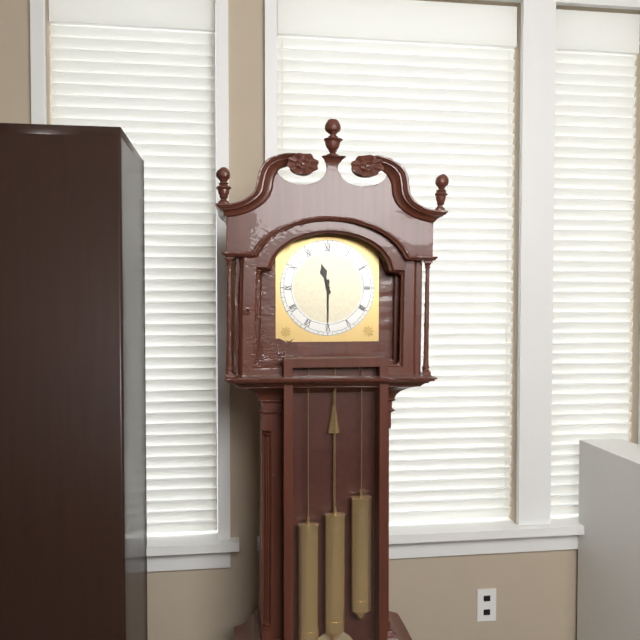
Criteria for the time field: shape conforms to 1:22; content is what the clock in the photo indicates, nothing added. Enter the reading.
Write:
11:30
